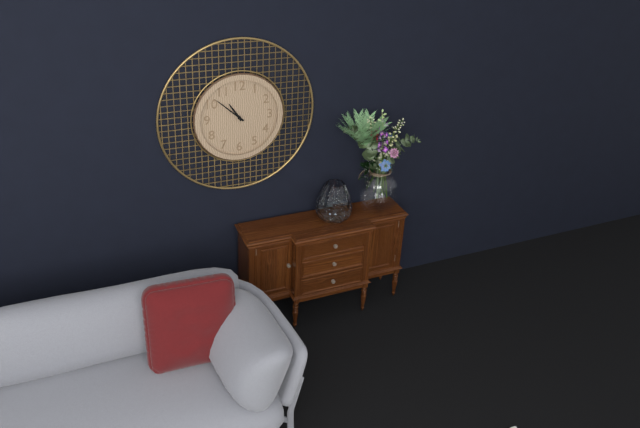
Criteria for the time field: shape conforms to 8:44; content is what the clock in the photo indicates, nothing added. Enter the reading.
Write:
10:52
